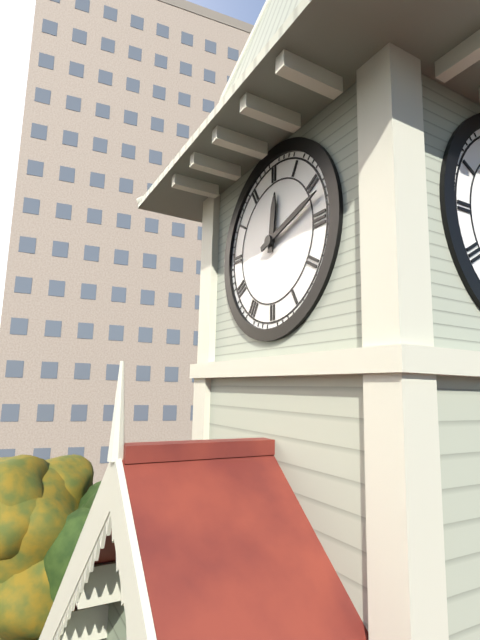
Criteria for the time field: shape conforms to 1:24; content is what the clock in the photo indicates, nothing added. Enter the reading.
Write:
12:12
